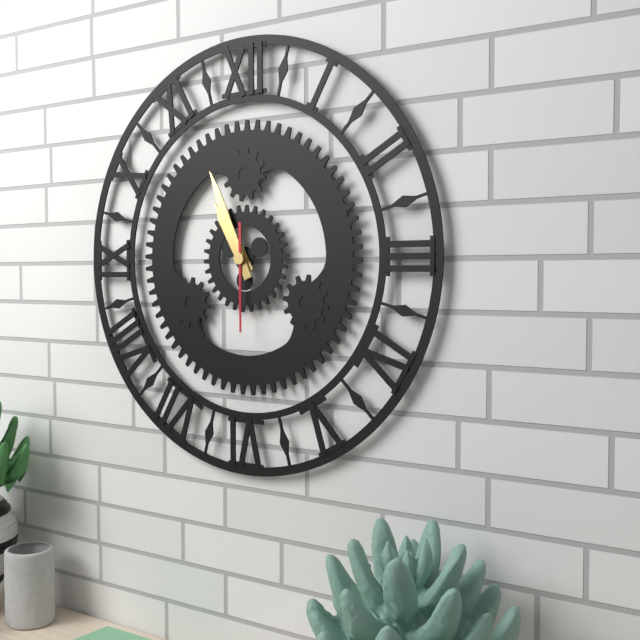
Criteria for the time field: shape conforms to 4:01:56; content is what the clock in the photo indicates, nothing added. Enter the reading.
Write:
10:56:30
